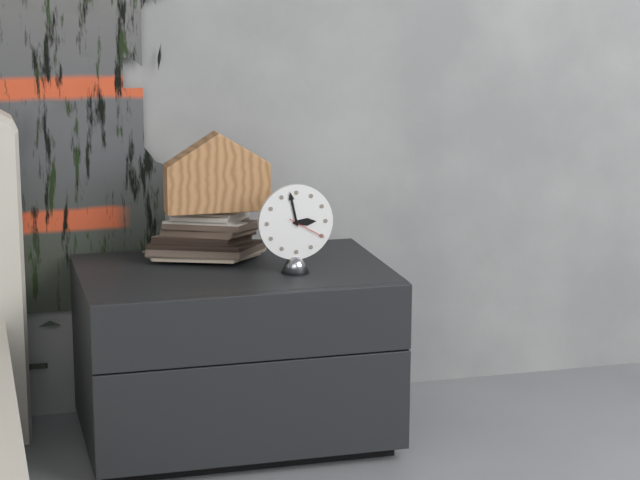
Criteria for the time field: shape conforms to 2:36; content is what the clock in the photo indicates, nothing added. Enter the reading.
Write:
2:58
